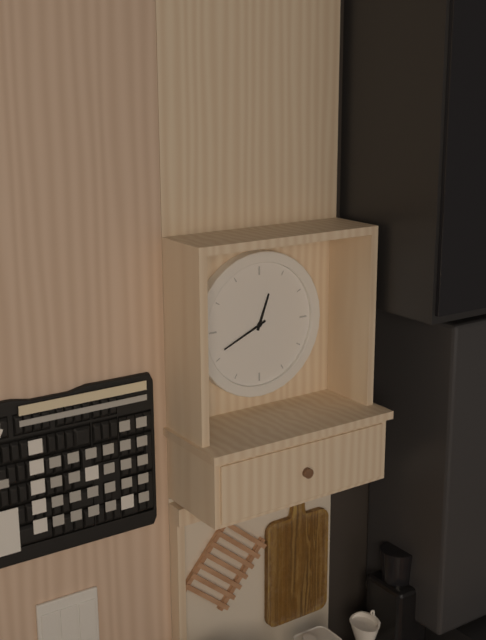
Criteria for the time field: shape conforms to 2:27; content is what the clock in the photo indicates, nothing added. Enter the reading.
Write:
12:41
